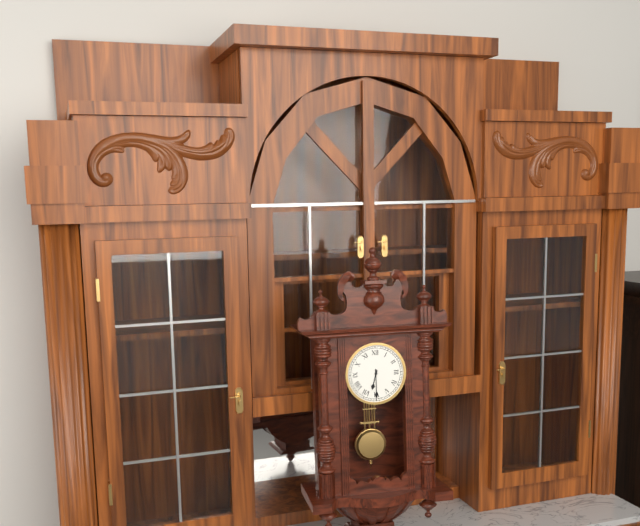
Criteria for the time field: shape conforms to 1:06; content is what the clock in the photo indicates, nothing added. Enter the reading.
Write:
6:30
